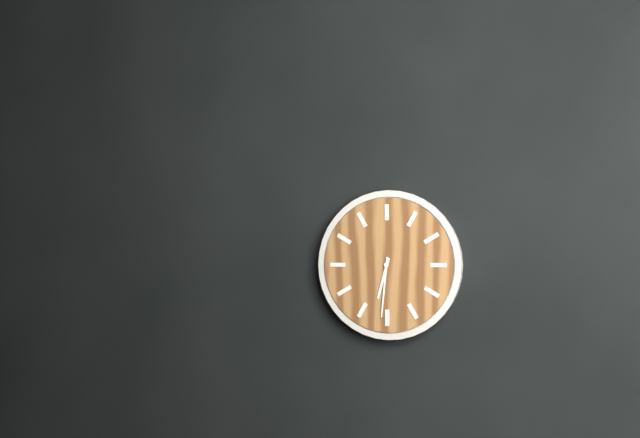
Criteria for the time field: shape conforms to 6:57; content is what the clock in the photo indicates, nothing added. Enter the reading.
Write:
6:31
